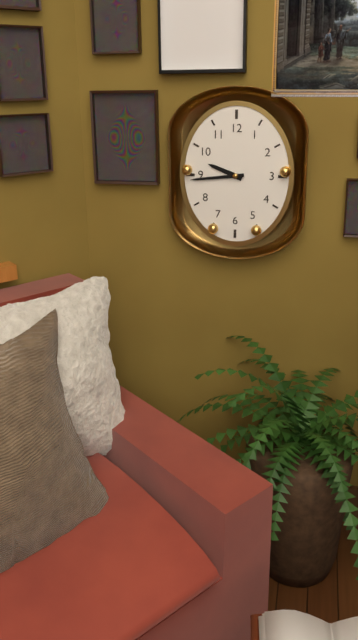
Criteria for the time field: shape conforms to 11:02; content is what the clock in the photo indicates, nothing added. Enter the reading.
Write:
9:44
